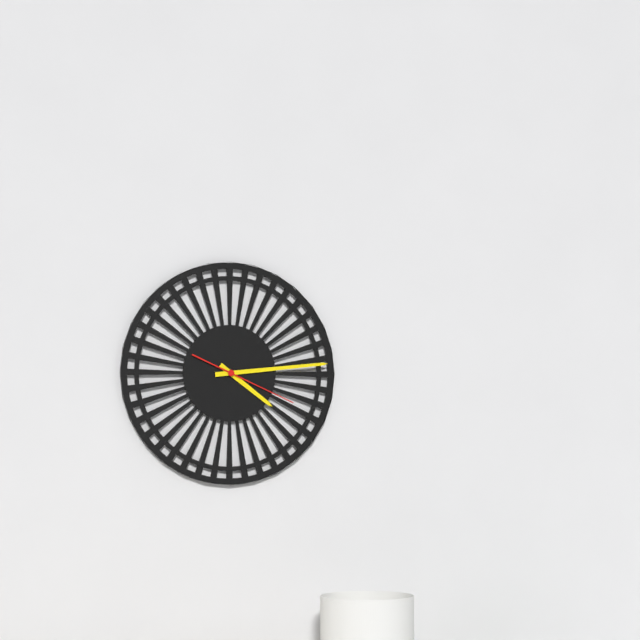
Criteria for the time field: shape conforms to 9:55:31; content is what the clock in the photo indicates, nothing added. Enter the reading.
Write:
4:14:19
